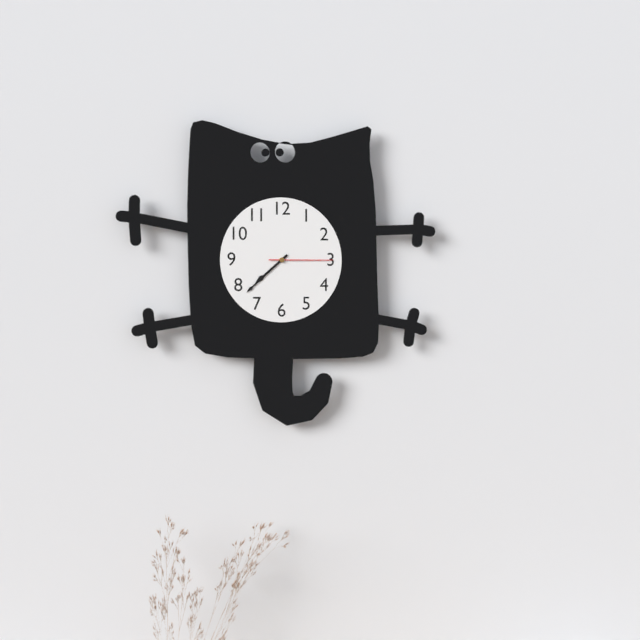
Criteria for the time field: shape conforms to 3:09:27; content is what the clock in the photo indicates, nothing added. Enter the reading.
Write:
7:38:15
